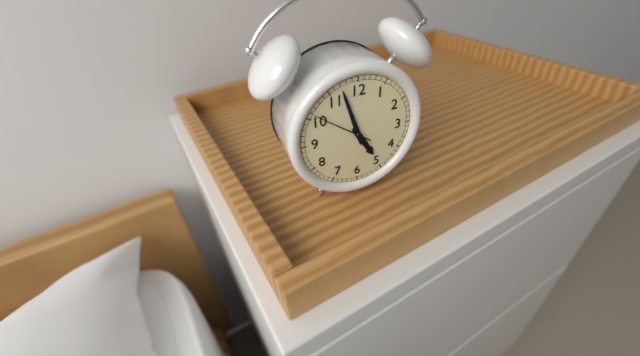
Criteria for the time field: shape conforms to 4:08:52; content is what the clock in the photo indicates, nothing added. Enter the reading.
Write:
4:57:51
